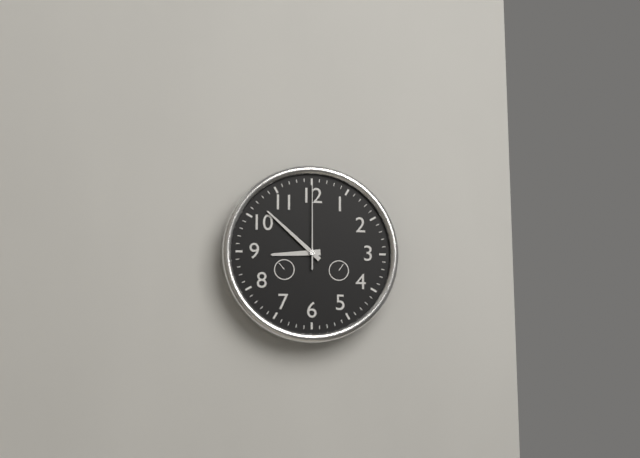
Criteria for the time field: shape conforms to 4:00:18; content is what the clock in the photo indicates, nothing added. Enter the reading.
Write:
8:52:00
